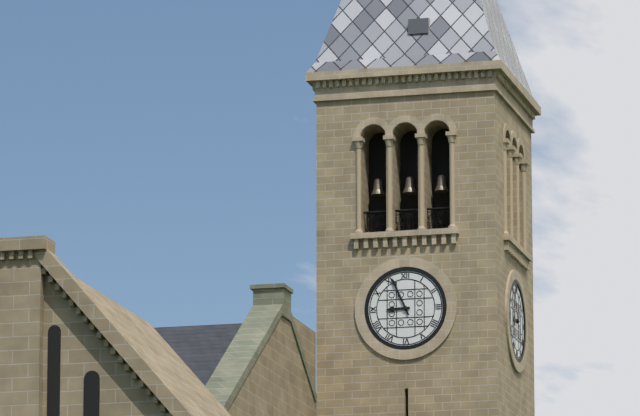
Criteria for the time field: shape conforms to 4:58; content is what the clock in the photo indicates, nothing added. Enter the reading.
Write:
8:56
